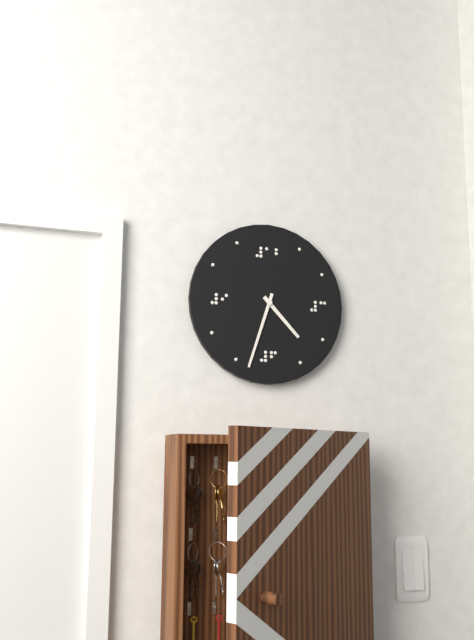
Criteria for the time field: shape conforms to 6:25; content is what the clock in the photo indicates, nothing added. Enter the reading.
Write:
4:33
